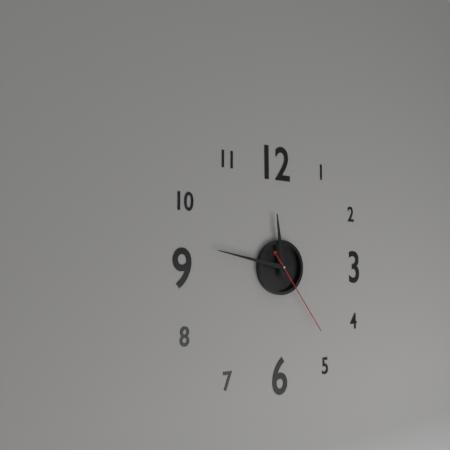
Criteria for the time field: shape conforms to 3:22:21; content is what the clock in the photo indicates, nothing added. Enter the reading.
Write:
11:47:24
